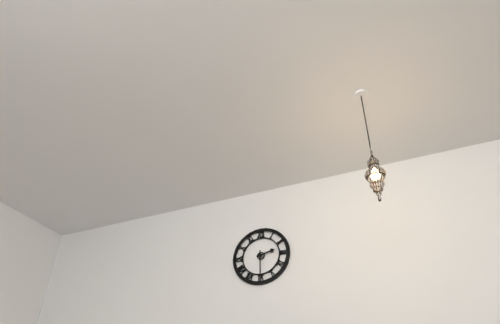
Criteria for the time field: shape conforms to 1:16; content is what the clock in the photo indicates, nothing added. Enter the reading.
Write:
2:30
